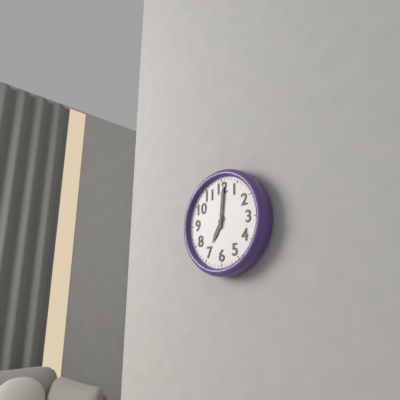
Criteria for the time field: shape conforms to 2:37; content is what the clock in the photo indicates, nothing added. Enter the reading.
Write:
7:01
